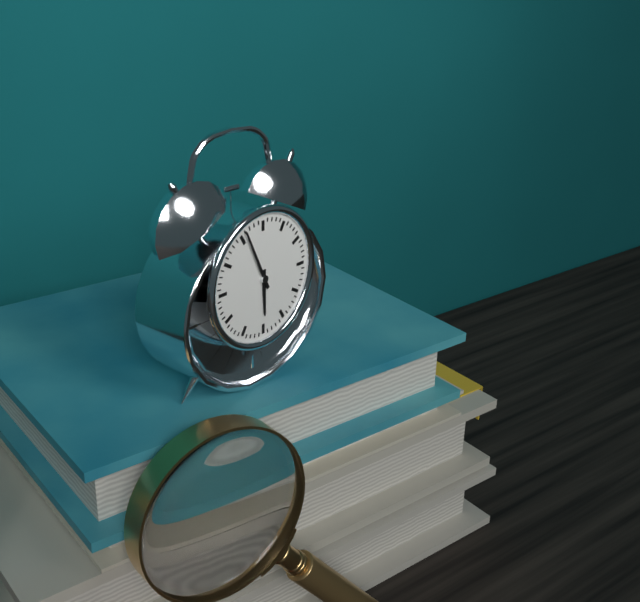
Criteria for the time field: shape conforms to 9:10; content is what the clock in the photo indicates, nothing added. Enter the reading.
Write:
5:56
